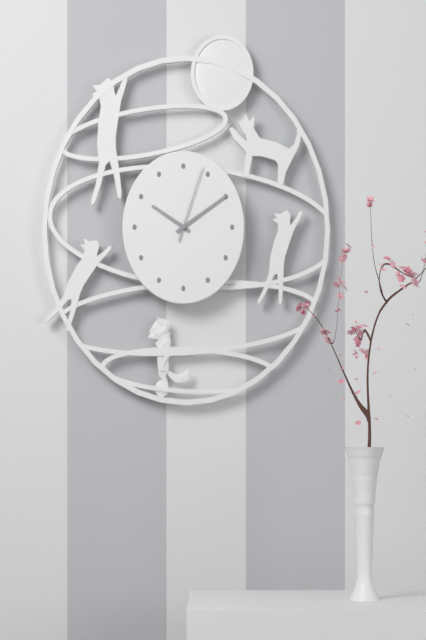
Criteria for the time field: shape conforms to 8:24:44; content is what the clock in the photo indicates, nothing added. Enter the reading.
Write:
10:09:03
